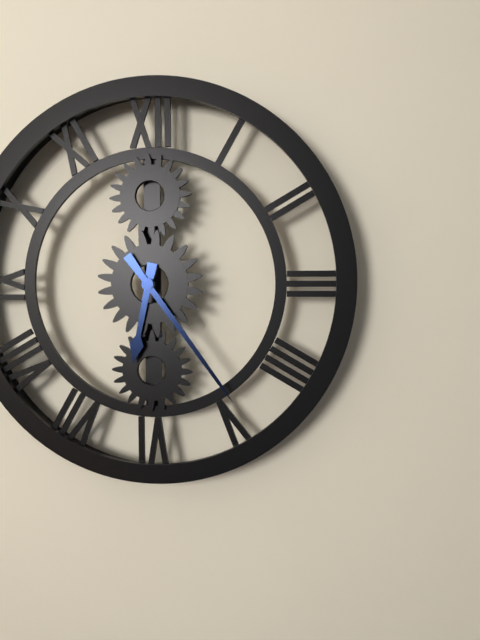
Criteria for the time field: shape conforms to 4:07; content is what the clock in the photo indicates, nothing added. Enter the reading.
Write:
6:24
